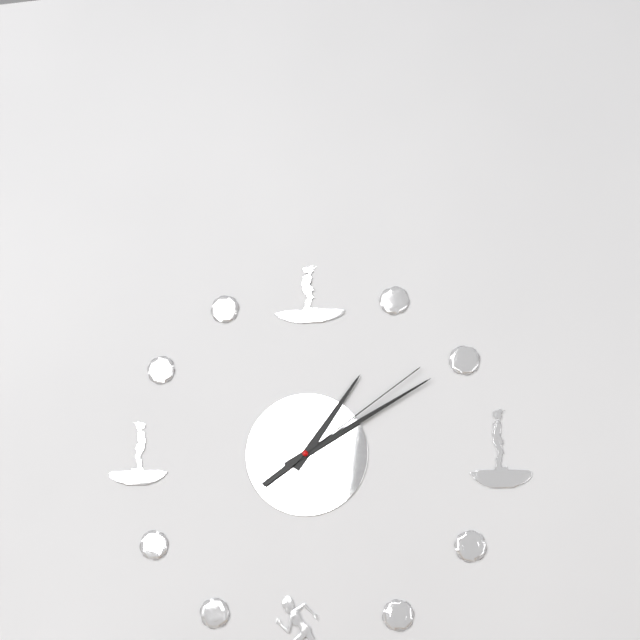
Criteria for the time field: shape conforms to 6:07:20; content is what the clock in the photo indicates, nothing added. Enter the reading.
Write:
1:10:09
